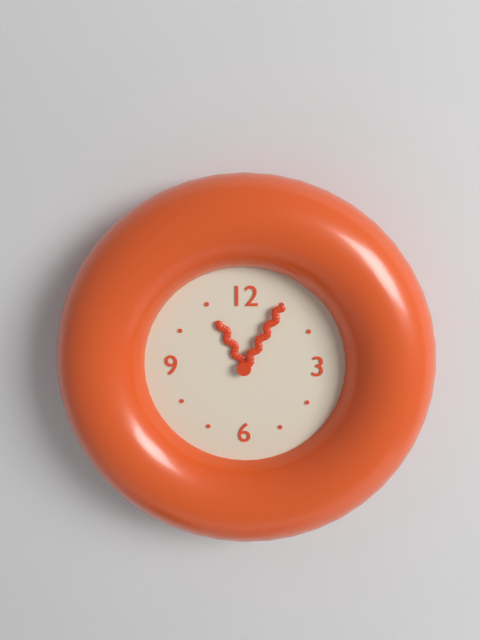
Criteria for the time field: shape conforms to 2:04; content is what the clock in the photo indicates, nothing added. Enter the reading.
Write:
11:05
